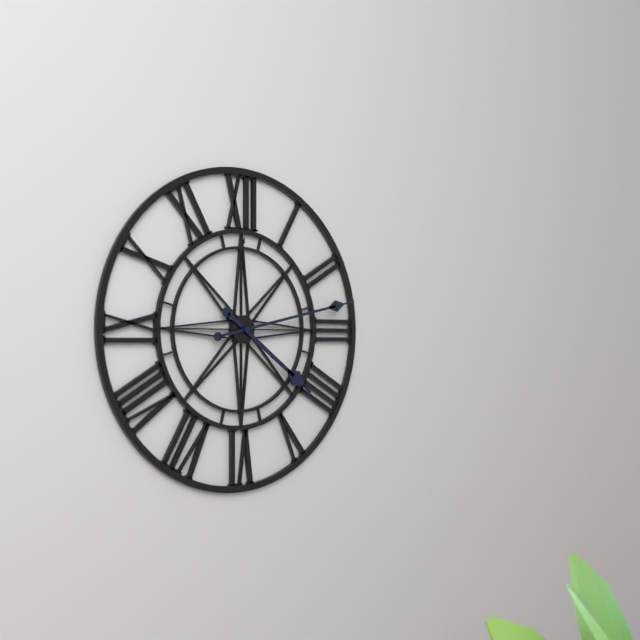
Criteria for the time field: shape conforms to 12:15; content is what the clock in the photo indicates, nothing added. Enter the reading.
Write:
4:13
